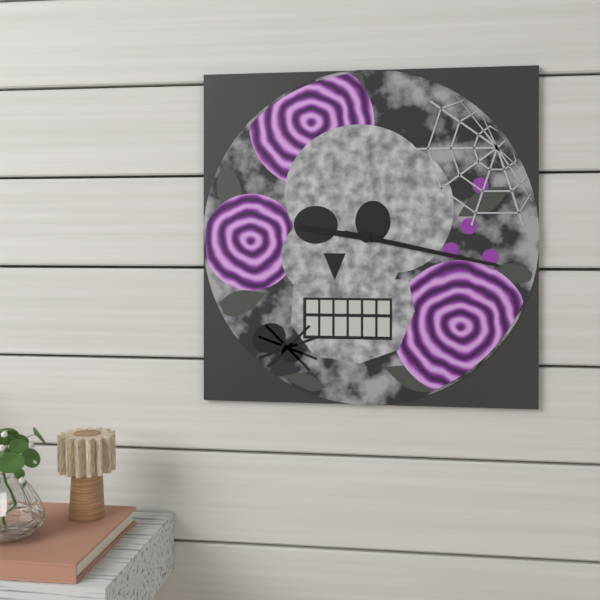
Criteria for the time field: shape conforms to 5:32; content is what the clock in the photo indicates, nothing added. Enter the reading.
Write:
9:17
